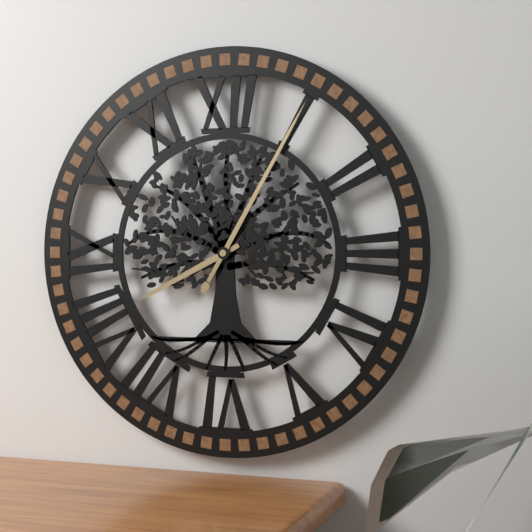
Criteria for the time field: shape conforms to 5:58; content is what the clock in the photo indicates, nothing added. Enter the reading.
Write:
8:05
